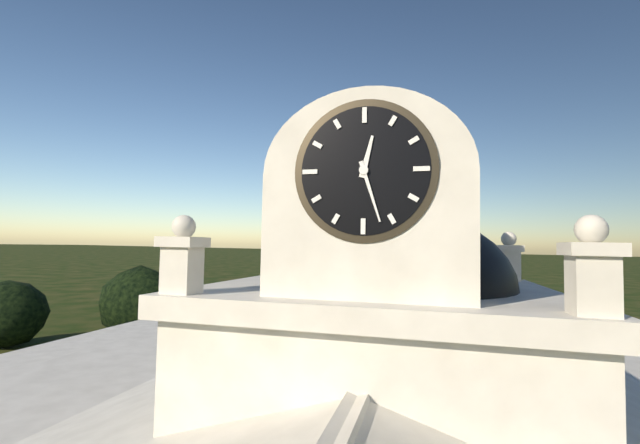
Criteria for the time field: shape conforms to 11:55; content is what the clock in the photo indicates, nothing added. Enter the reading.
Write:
12:27
